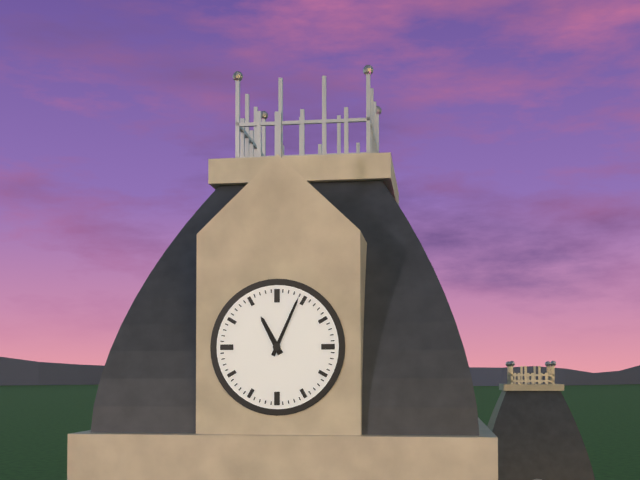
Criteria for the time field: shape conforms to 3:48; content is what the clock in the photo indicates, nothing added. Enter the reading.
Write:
11:04
